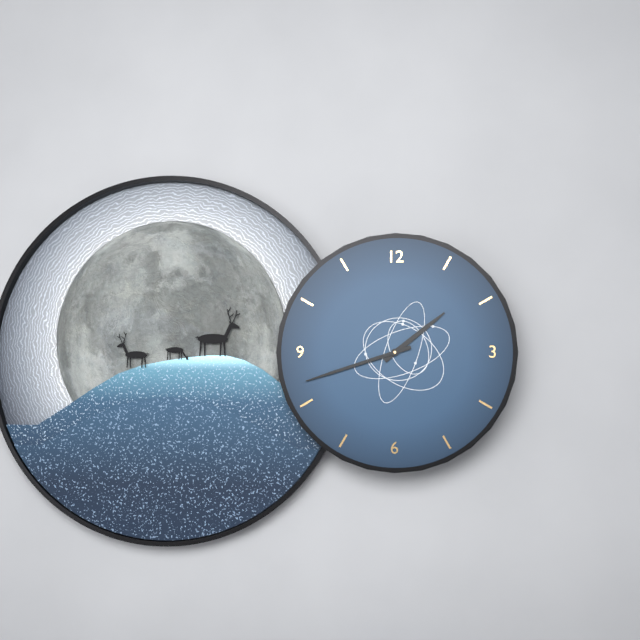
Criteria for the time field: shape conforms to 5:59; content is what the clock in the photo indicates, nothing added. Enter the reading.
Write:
1:42
